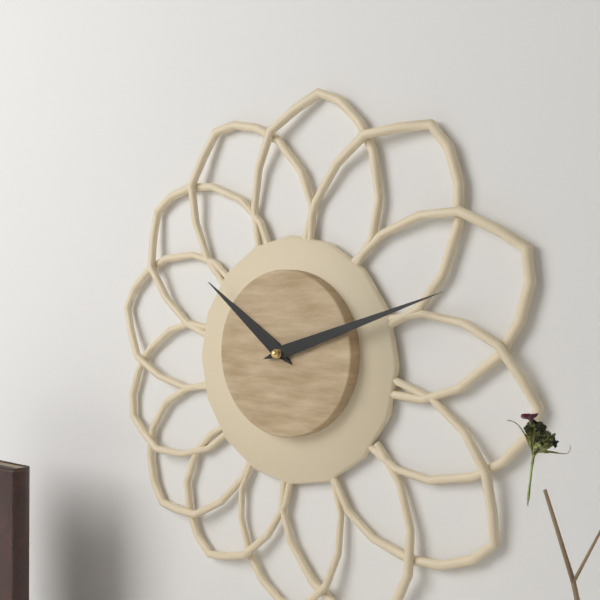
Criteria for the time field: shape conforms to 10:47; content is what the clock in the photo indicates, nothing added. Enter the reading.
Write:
10:12
